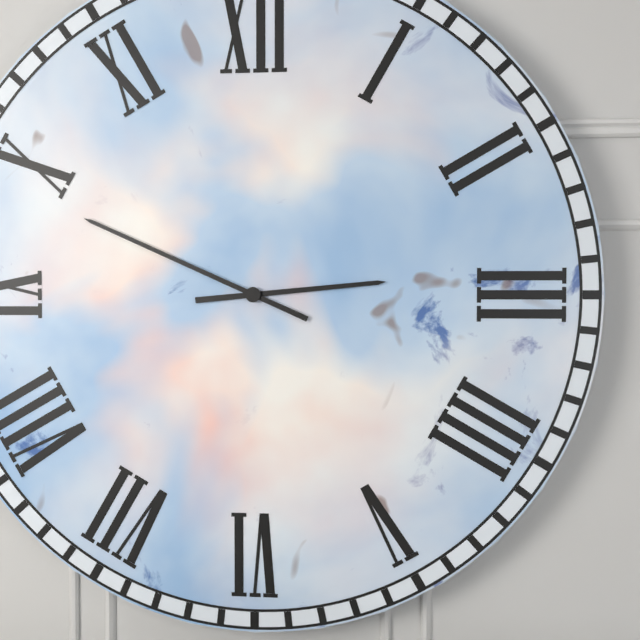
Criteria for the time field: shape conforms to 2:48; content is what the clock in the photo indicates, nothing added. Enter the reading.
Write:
2:49
